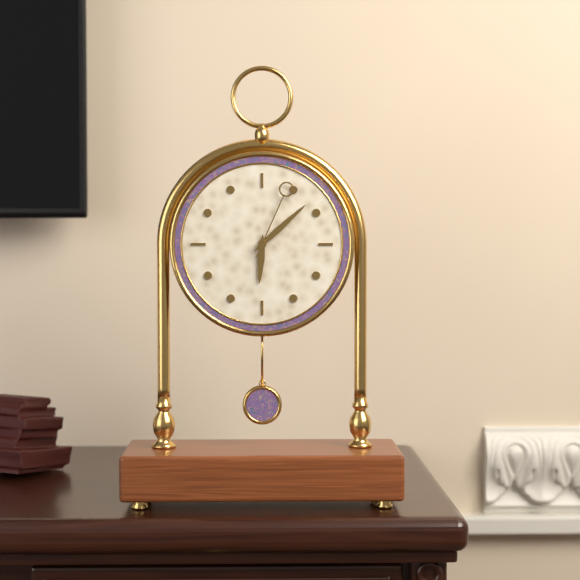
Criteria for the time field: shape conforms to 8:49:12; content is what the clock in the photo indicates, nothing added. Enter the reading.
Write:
6:08:04
